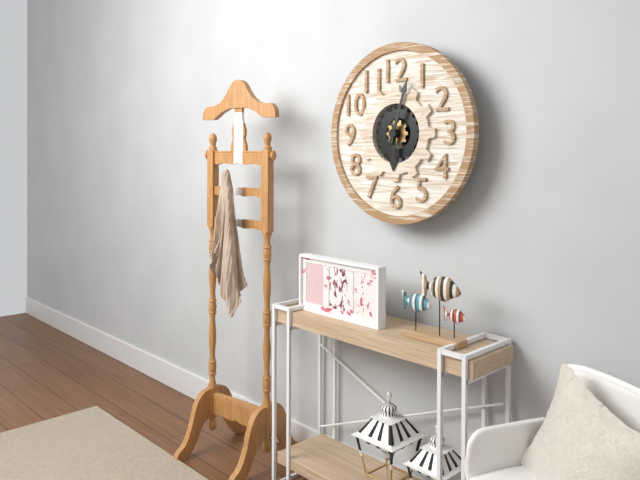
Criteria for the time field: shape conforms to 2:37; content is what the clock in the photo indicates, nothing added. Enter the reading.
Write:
6:03
